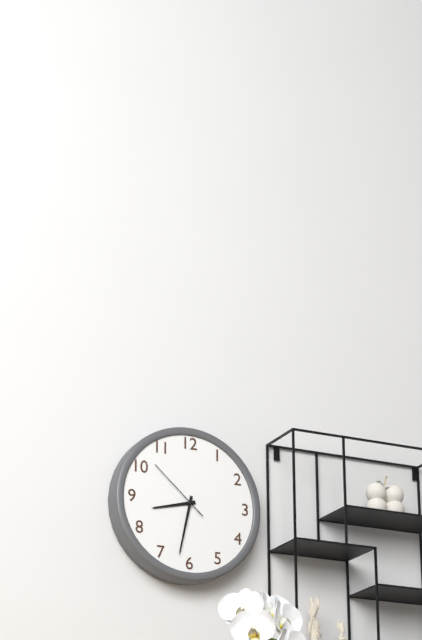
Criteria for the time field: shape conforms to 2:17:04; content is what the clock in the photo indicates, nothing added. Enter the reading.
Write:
8:32:52
